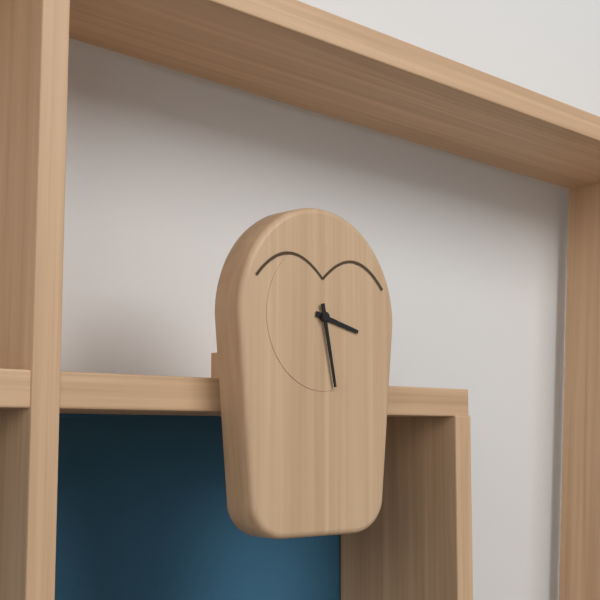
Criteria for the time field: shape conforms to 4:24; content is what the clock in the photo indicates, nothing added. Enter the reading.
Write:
3:28
